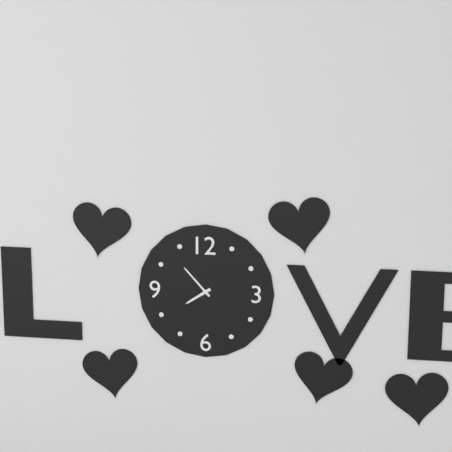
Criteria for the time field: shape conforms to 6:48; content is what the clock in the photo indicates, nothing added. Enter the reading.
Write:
7:53
